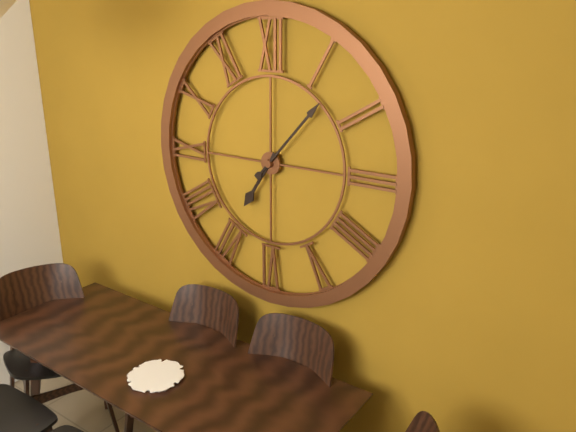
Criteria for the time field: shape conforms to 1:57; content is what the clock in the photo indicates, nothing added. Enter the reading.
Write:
7:07
